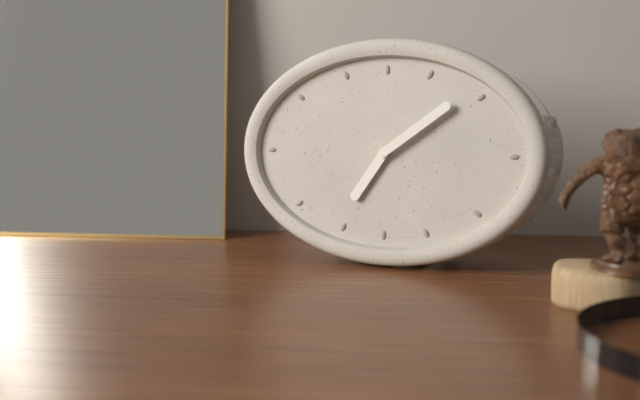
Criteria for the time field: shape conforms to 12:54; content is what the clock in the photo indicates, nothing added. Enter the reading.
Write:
7:09
